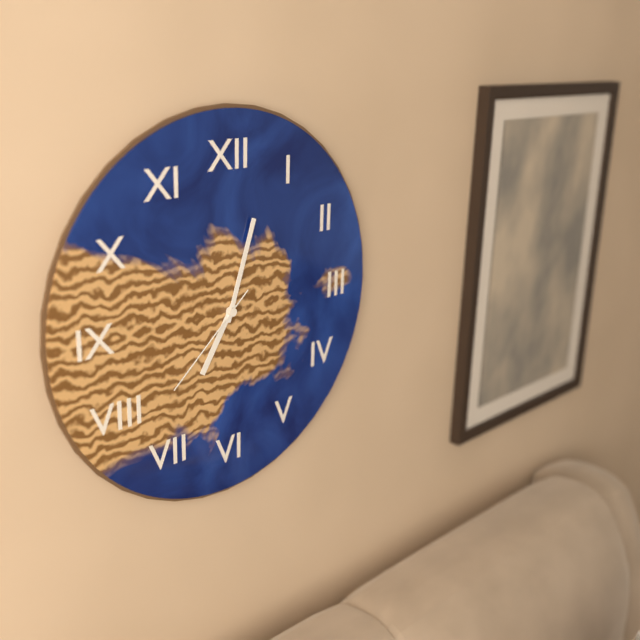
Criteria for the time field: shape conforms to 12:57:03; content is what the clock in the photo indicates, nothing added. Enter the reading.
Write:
7:03:38
